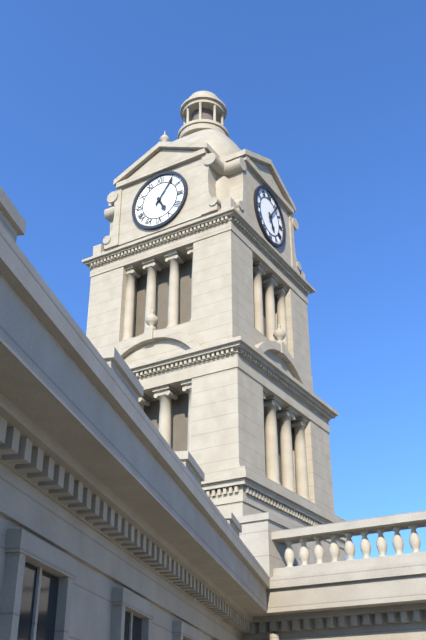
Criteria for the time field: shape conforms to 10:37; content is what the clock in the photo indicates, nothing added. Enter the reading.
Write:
5:06
